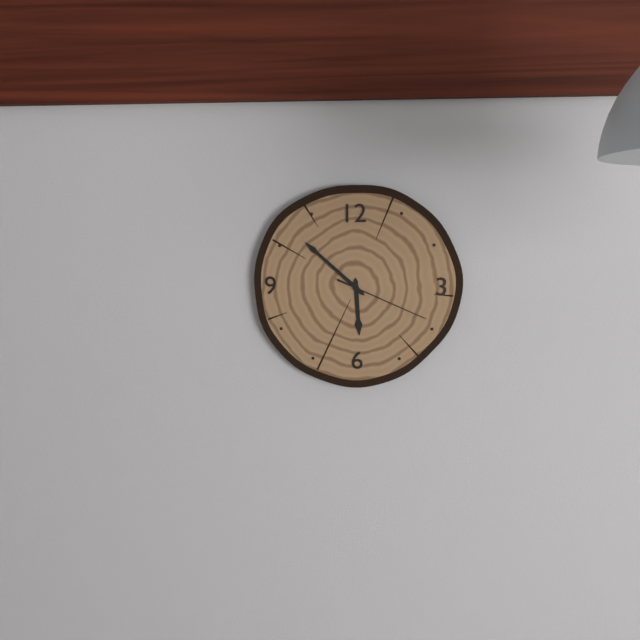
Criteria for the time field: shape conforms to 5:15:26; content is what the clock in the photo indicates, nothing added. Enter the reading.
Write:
5:52:19
